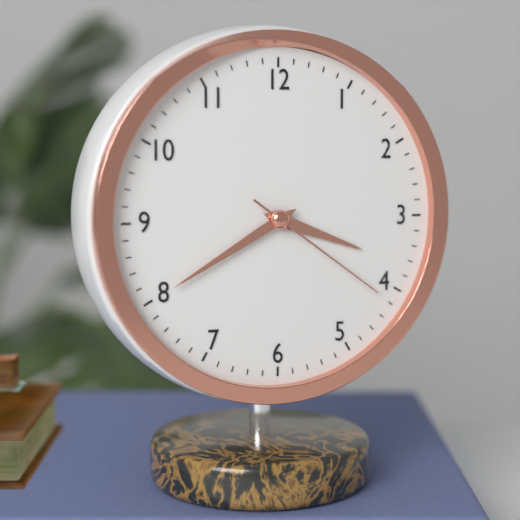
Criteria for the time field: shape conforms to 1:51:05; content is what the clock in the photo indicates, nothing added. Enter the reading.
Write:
3:40:21
